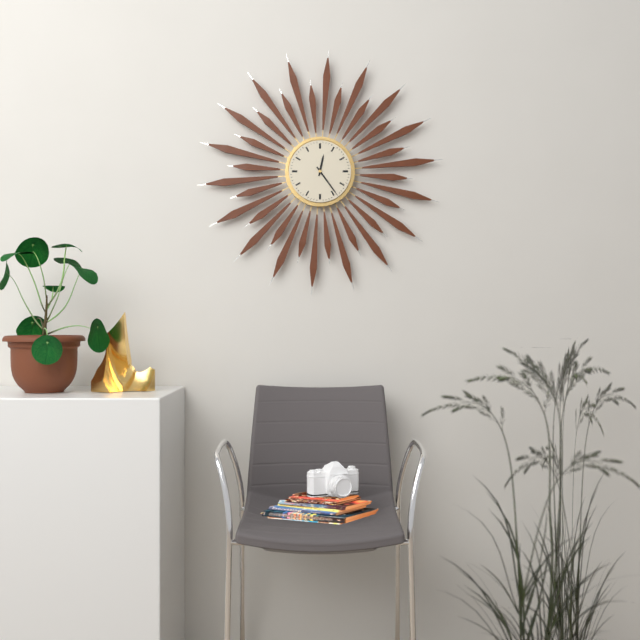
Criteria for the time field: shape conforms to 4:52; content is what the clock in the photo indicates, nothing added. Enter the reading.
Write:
12:24
